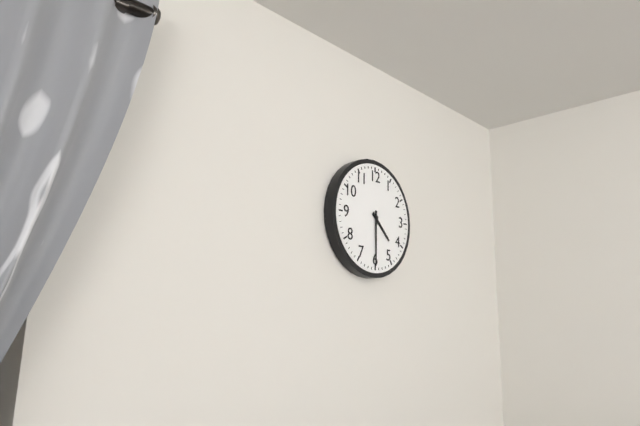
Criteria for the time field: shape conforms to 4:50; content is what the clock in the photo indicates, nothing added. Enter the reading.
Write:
4:30
